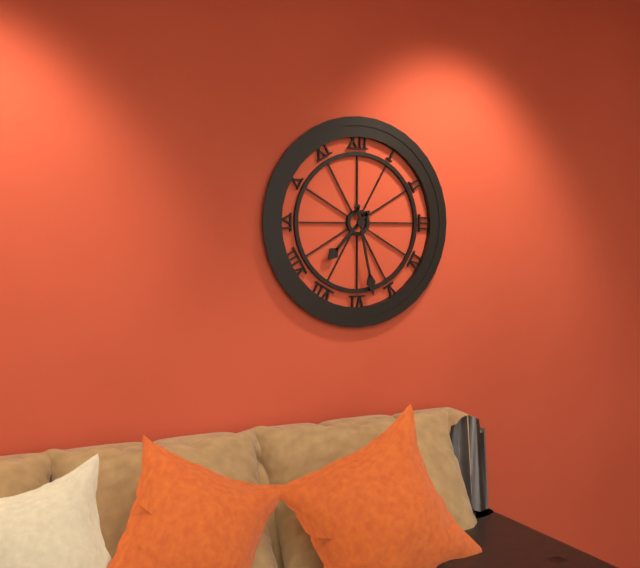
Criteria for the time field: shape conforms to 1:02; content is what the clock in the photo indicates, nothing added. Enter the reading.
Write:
7:28
